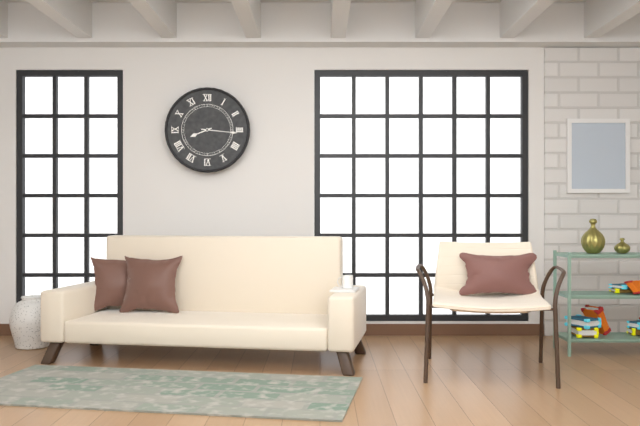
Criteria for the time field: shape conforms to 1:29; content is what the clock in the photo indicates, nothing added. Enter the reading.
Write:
8:16
